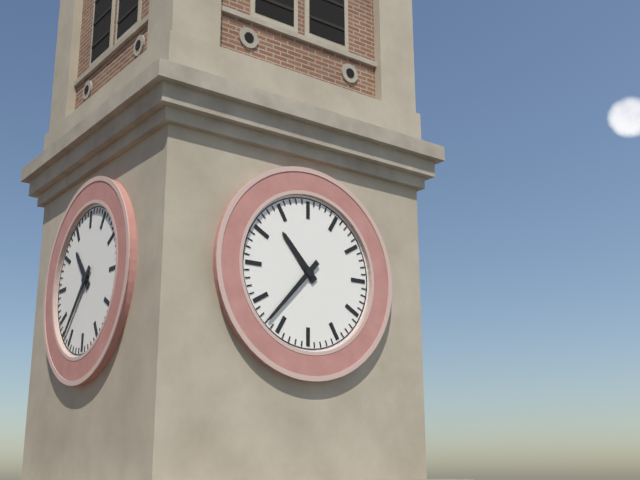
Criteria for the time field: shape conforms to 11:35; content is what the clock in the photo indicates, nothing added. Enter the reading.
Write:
10:37
